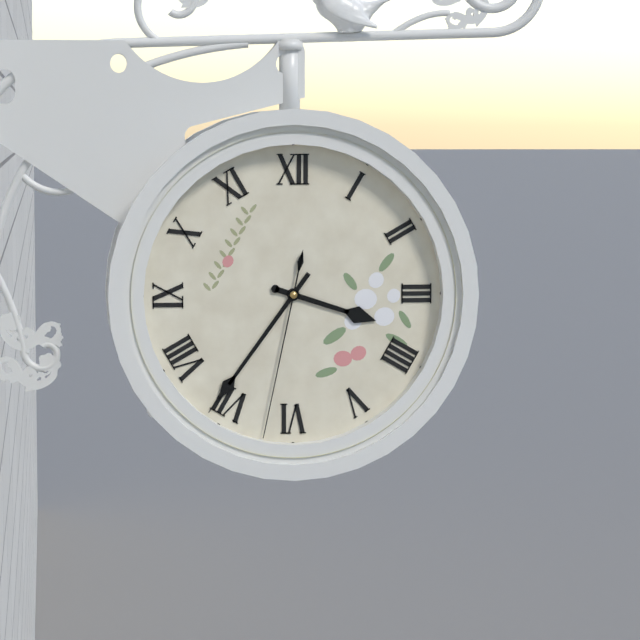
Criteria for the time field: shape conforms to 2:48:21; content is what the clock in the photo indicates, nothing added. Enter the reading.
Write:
3:36:32
